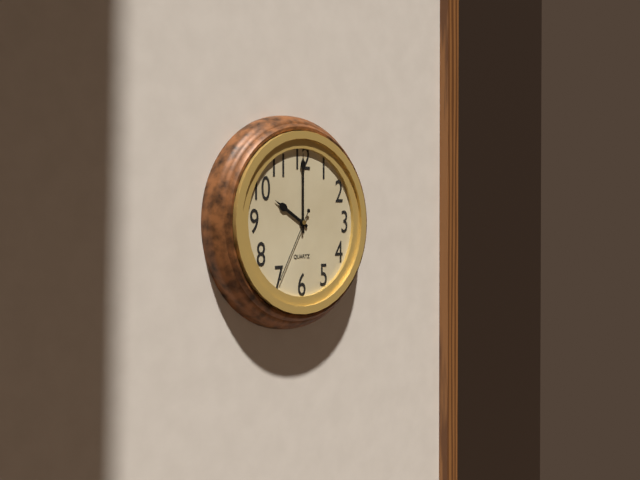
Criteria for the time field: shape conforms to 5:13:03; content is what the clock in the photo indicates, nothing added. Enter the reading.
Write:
10:00:35
